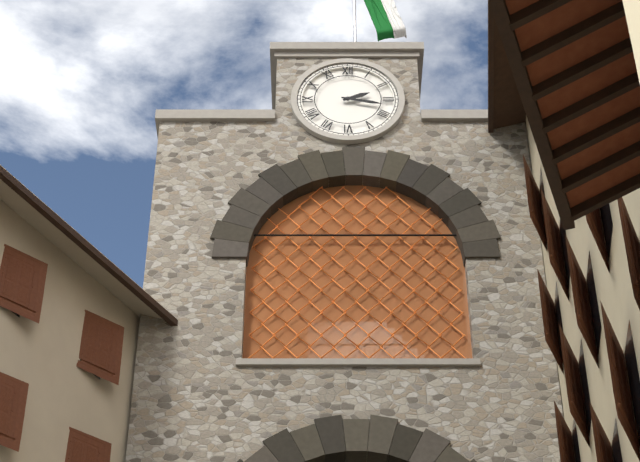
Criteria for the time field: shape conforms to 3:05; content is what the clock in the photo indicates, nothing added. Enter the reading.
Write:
2:17
